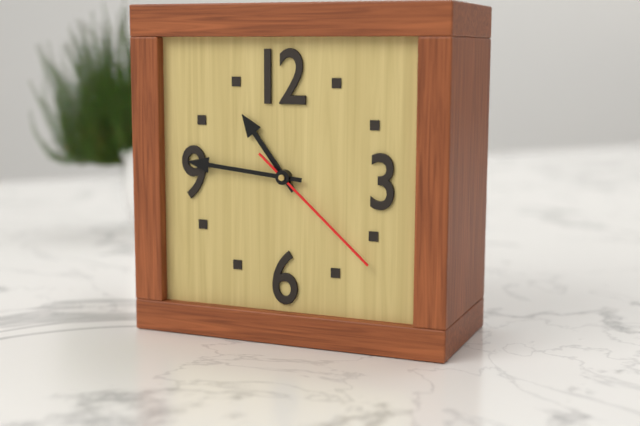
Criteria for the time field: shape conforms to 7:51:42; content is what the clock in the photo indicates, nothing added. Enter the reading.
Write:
10:46:22
